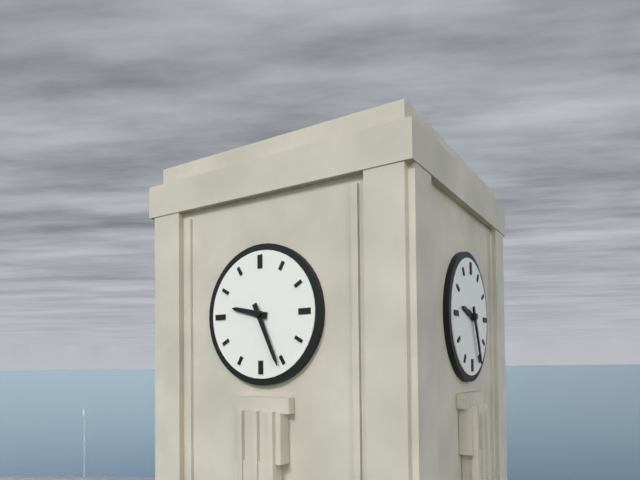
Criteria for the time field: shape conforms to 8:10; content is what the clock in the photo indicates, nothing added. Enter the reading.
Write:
9:26
